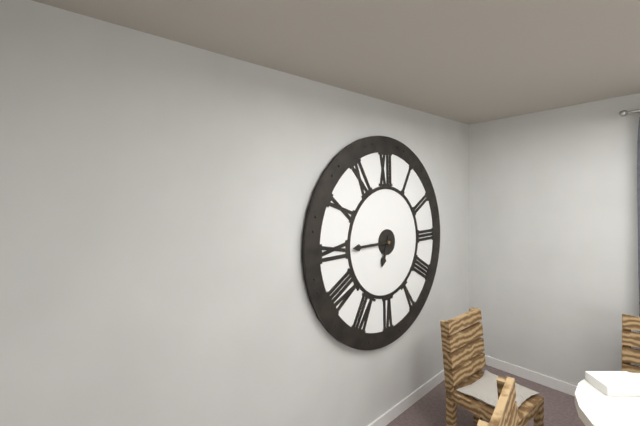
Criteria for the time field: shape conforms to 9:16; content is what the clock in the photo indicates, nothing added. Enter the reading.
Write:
6:45
